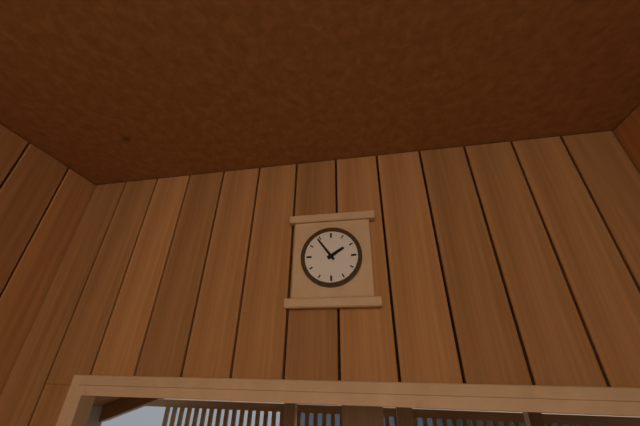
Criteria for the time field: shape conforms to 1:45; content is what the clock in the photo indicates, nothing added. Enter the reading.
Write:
1:54
